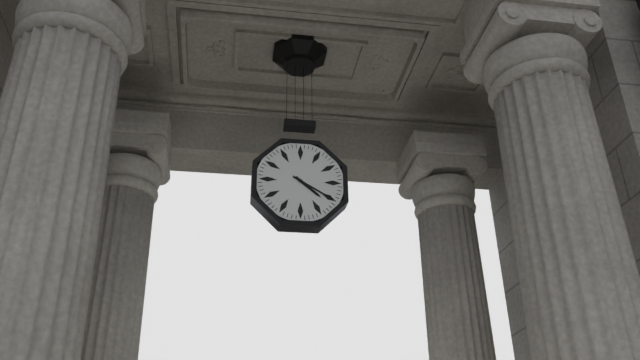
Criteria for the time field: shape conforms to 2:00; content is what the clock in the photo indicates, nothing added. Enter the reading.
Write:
4:20
